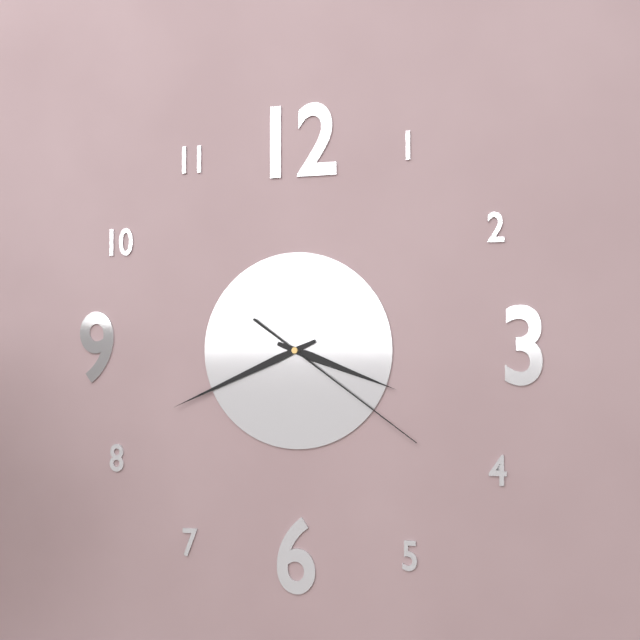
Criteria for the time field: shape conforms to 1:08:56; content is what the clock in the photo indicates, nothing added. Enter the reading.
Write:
3:41:21
